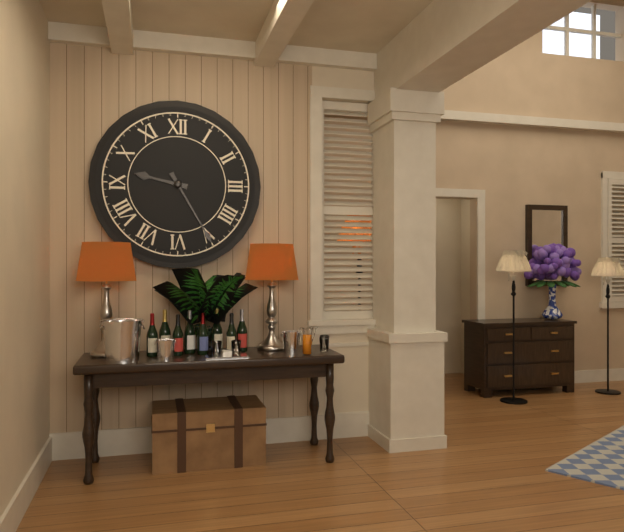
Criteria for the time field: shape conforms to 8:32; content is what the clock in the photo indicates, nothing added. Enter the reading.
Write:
9:25
